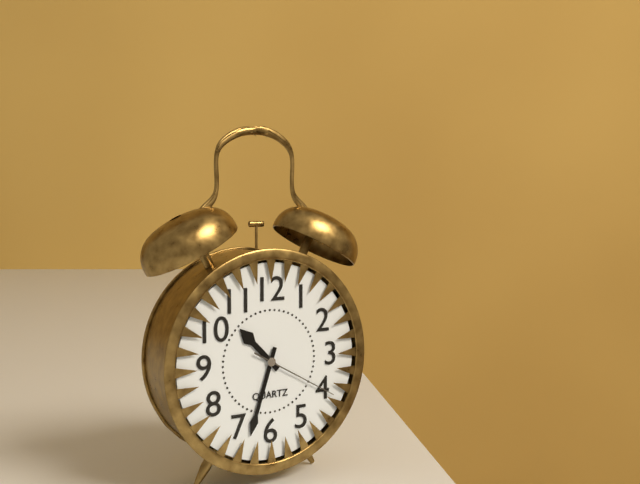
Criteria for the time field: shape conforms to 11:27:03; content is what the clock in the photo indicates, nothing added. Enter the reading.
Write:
10:33:20
